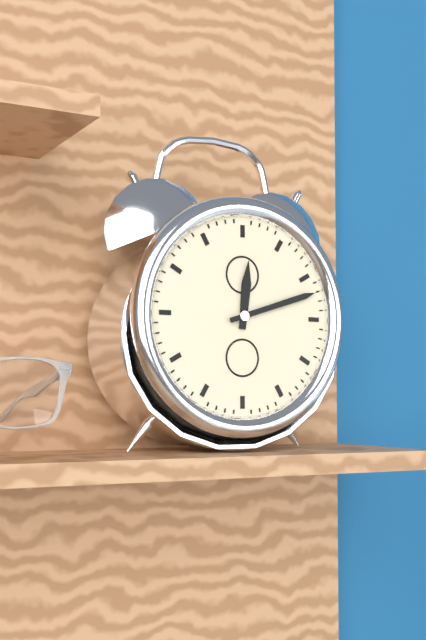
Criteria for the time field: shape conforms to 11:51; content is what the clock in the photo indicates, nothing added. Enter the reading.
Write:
12:12
